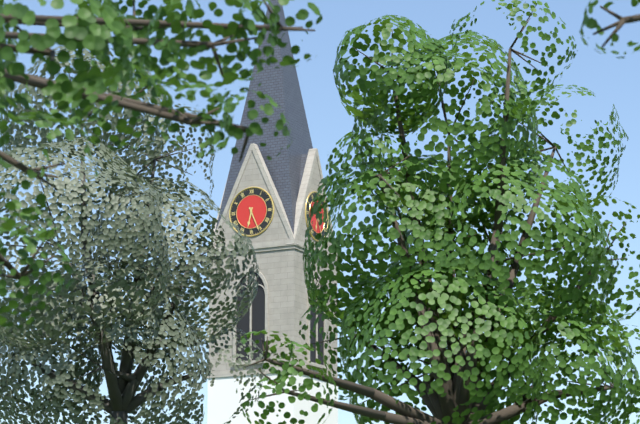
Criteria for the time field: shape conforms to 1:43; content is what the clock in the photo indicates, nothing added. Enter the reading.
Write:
6:26
